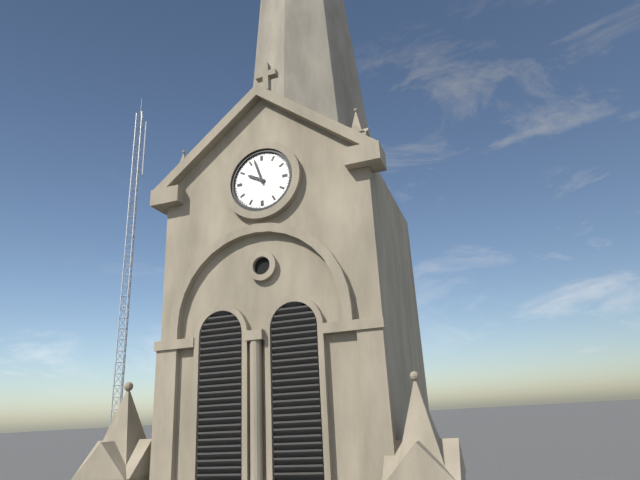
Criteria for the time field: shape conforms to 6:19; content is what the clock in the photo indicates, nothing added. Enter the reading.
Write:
9:57
